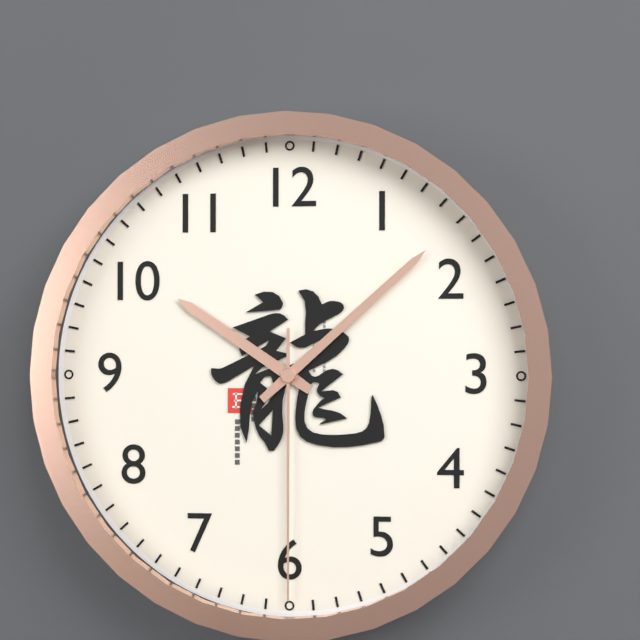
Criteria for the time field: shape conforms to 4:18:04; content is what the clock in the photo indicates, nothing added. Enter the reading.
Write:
10:08:30
